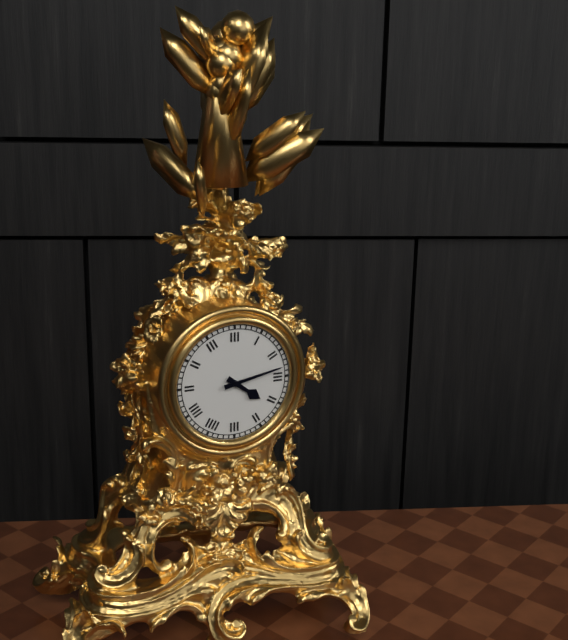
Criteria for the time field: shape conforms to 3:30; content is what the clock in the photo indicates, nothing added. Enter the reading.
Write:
4:13
